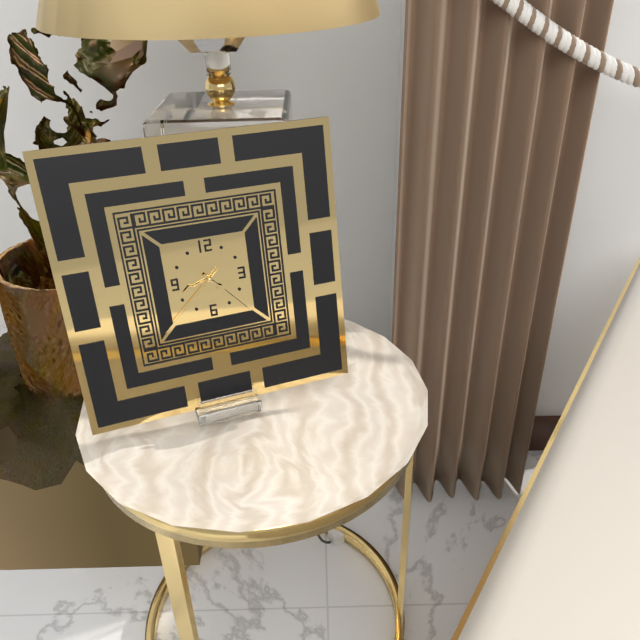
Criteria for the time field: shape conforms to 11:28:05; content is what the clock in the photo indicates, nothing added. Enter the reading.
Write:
8:23:38
